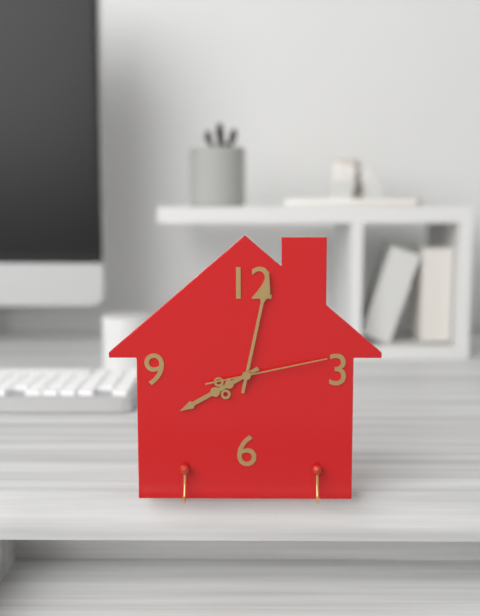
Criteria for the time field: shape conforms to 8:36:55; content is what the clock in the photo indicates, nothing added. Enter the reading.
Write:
8:02:13
